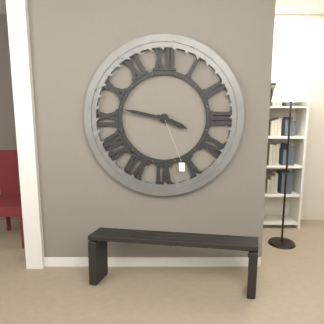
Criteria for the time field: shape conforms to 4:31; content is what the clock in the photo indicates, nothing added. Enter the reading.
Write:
3:47
